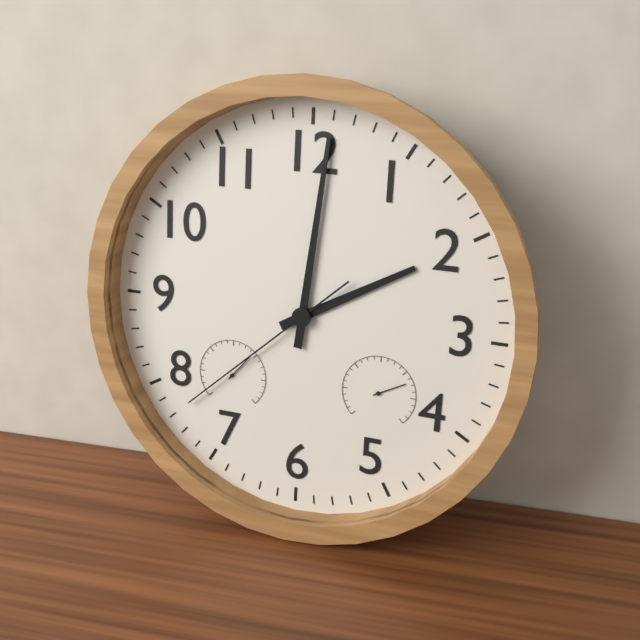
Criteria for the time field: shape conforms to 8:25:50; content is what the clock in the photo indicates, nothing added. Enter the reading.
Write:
2:01:38
